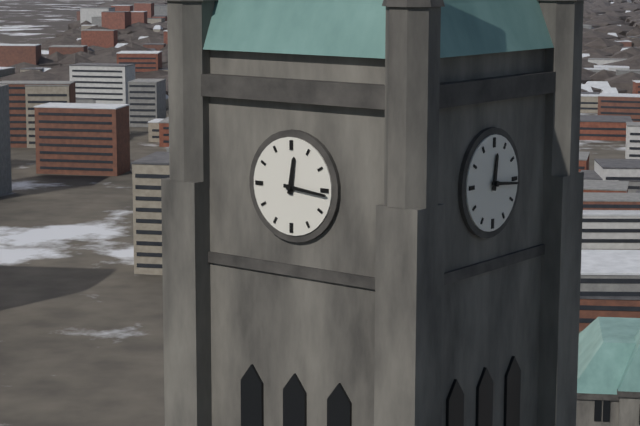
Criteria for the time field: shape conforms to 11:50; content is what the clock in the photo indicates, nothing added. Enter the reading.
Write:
12:16
